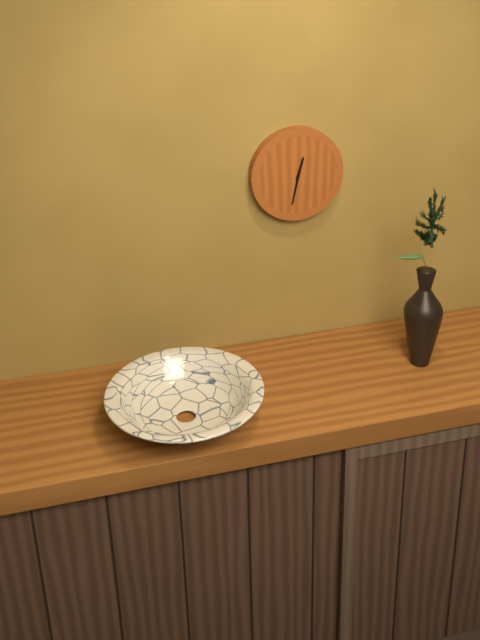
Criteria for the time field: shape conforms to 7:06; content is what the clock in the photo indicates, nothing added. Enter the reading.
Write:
12:32
